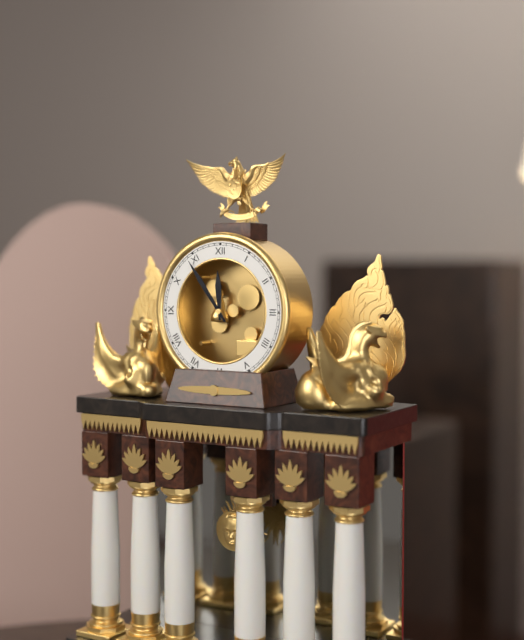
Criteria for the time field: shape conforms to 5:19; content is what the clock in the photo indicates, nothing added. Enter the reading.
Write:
11:54
